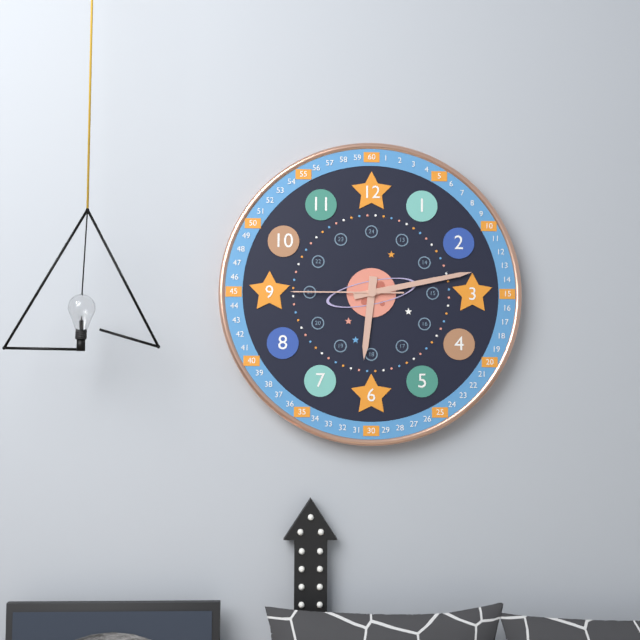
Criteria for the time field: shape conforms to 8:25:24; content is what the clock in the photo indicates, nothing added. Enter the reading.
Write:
6:13:45
